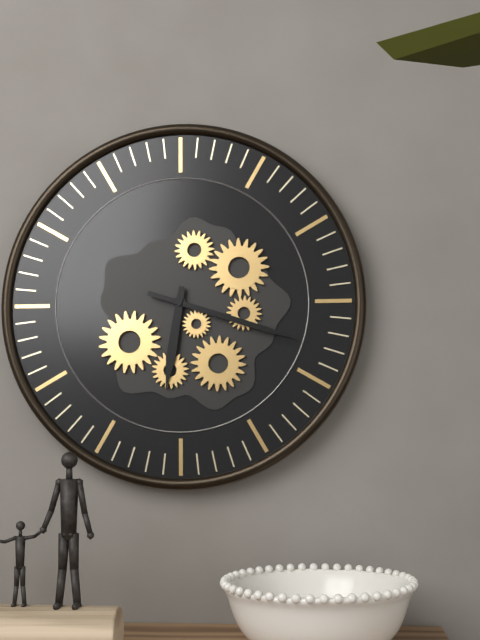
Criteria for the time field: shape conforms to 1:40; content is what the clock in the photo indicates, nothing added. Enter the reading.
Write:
6:18
